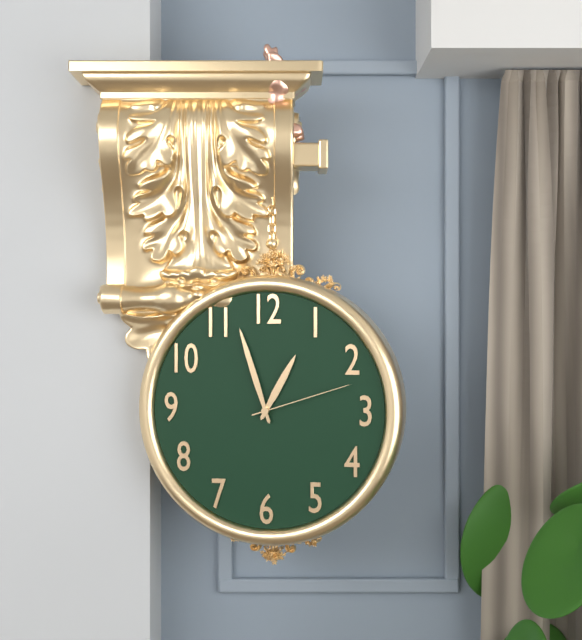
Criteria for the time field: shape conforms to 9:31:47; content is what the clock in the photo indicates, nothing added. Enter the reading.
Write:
12:57:12
